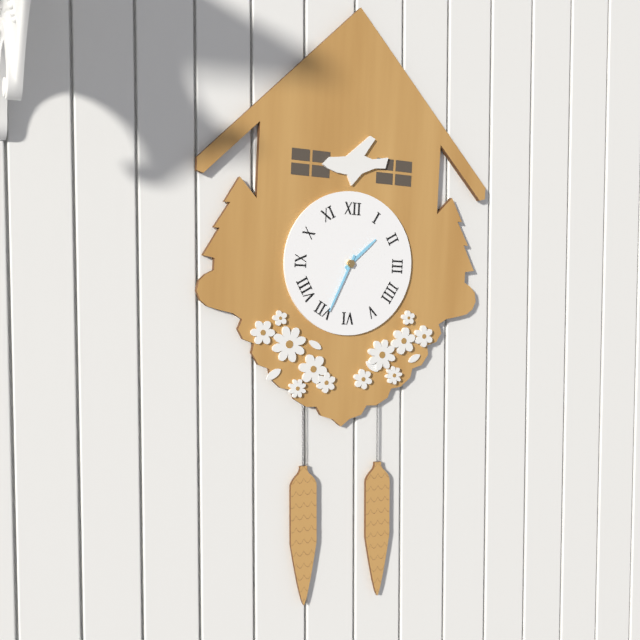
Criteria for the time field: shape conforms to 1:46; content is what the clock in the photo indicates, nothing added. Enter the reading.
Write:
1:34
